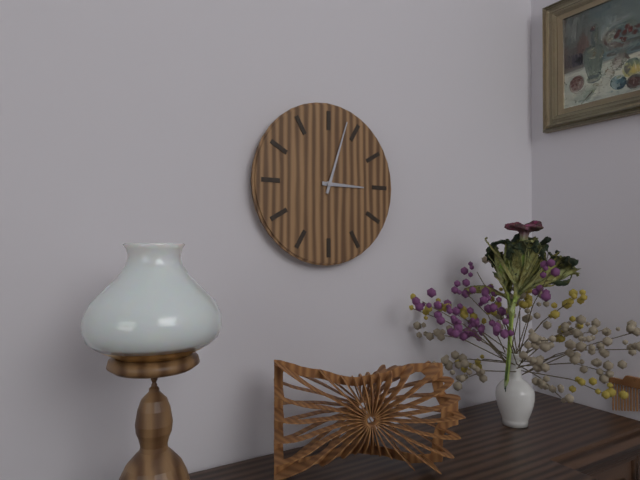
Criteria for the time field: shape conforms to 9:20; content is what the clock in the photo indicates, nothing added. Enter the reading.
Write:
3:03
